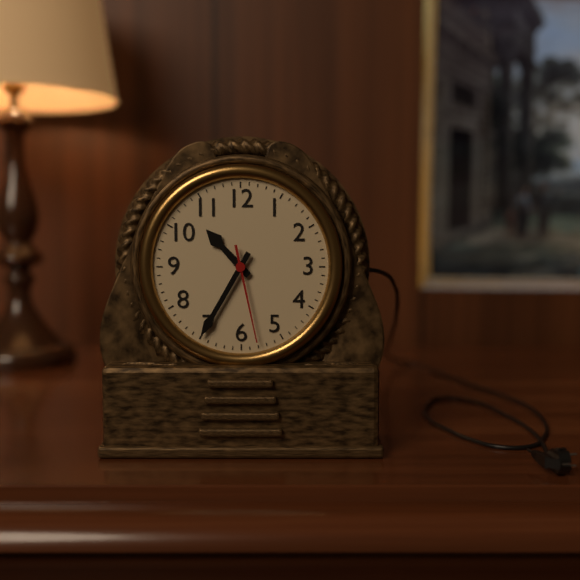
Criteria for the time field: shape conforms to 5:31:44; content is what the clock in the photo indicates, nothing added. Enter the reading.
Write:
10:35:28
